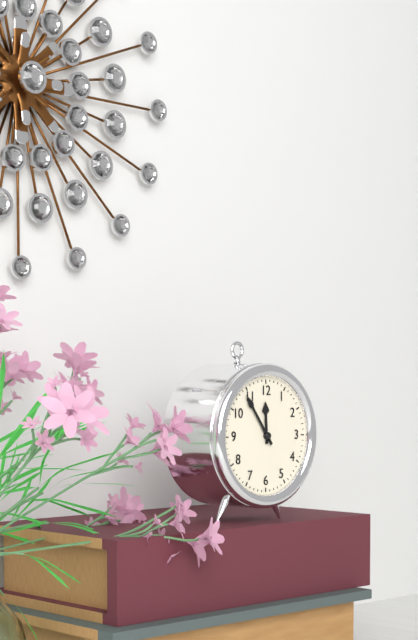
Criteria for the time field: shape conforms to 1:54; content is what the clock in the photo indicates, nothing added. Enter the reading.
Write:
11:54
